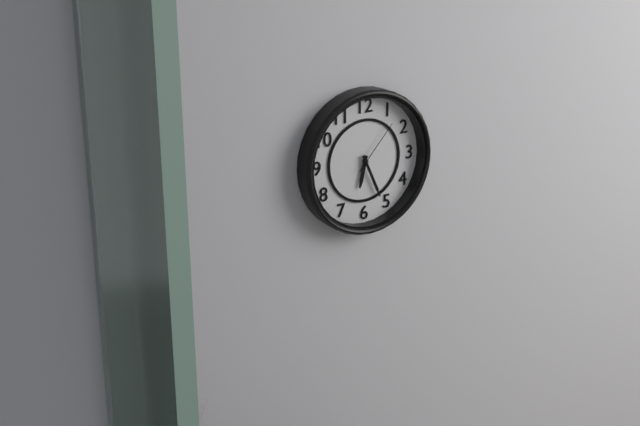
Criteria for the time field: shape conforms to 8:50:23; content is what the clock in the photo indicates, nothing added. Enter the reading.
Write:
6:26:07
